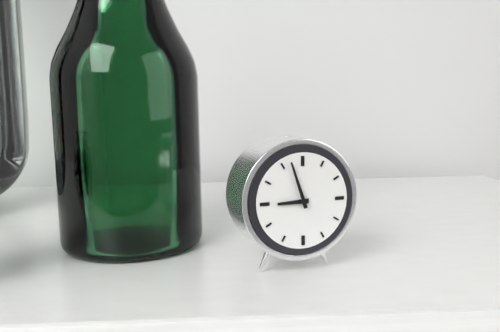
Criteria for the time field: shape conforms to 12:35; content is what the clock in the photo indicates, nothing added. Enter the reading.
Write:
8:57
